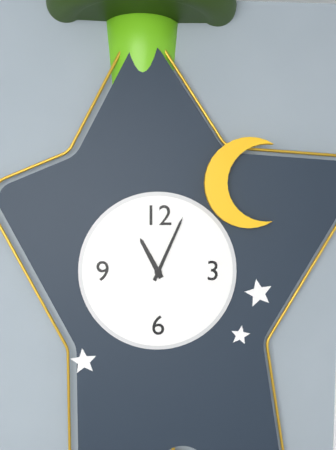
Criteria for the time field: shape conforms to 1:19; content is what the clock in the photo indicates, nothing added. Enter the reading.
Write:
11:04
